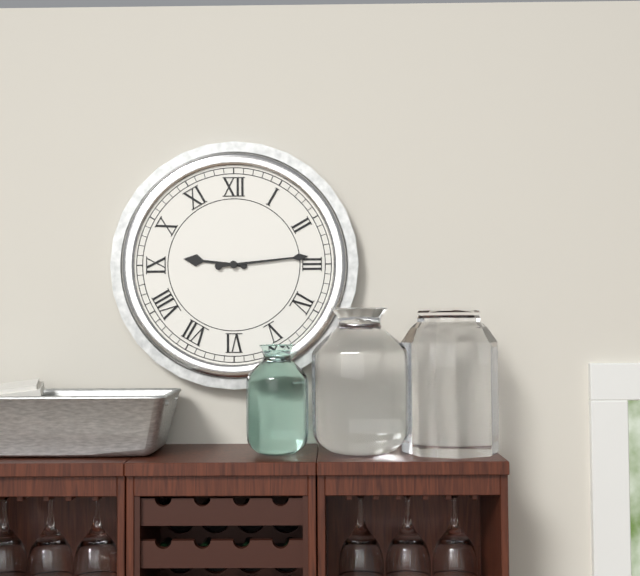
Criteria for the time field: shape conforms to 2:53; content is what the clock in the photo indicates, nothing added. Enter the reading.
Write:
9:14
